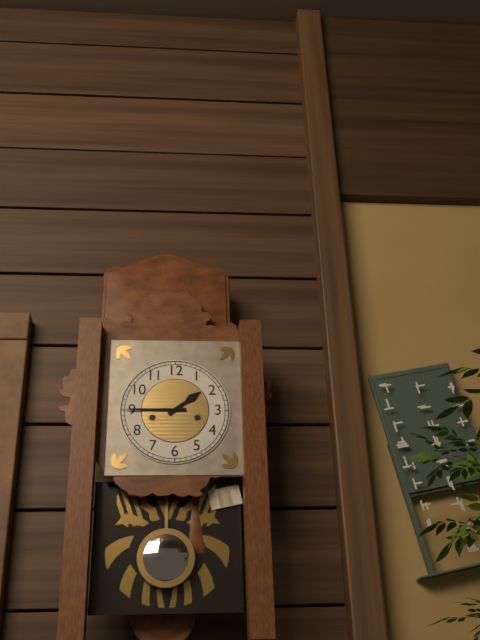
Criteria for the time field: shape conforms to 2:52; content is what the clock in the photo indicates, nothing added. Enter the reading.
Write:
1:45
